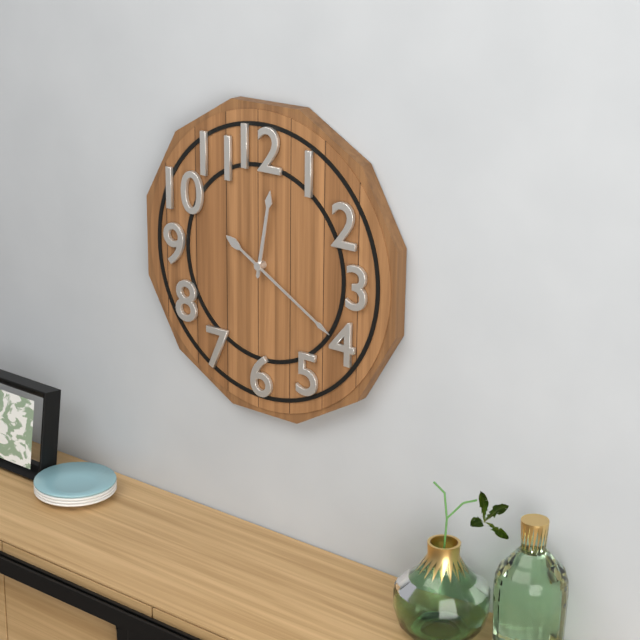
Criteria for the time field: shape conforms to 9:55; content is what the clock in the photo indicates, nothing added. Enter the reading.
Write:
12:20
